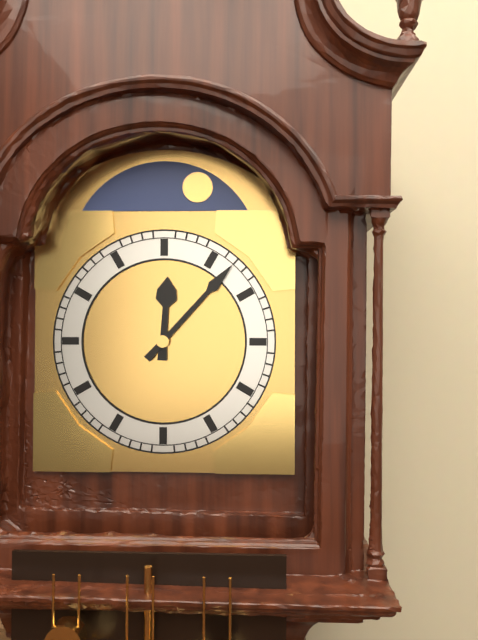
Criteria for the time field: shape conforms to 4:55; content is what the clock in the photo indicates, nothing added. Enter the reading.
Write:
12:07
